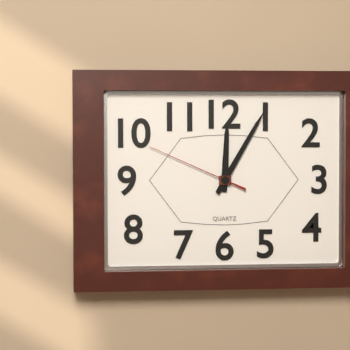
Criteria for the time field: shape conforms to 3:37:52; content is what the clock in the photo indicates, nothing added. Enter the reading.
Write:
12:05:49
